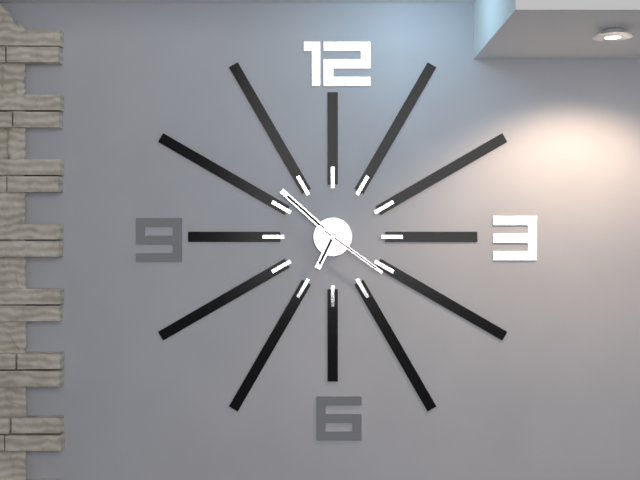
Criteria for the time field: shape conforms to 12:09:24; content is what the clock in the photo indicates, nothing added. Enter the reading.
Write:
6:52:21
